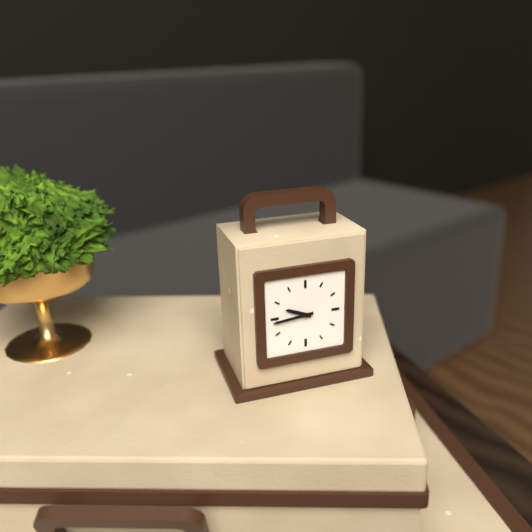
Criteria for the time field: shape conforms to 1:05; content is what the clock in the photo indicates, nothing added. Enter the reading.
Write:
9:44
